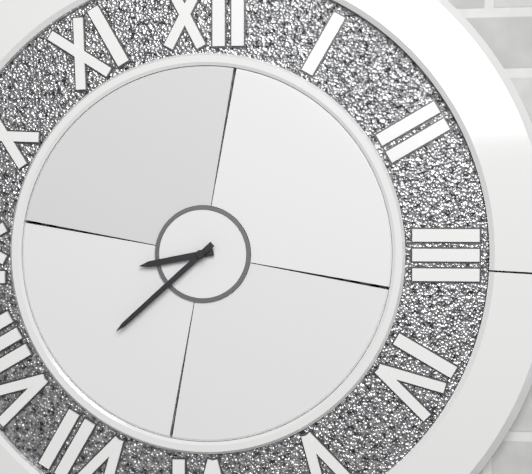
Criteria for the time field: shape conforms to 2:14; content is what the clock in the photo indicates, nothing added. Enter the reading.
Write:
8:38
